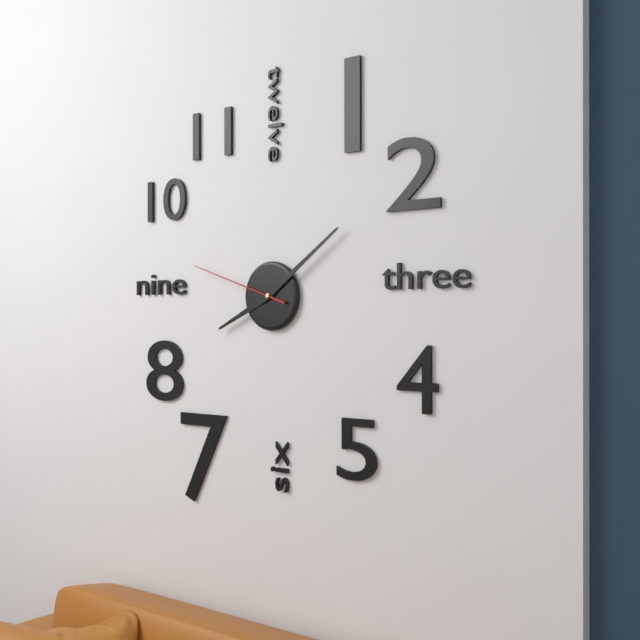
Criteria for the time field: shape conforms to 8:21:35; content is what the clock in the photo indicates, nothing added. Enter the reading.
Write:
8:09:48
